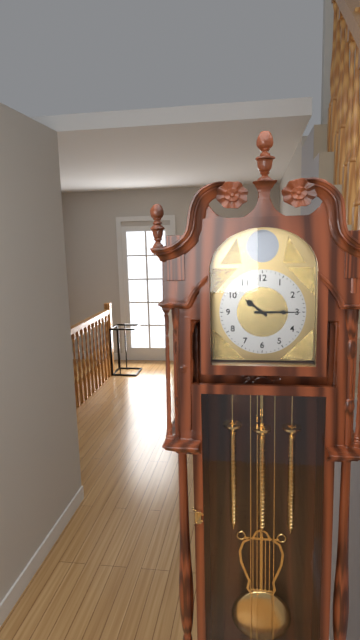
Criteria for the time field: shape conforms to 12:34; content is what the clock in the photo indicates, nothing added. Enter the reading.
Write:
10:15
